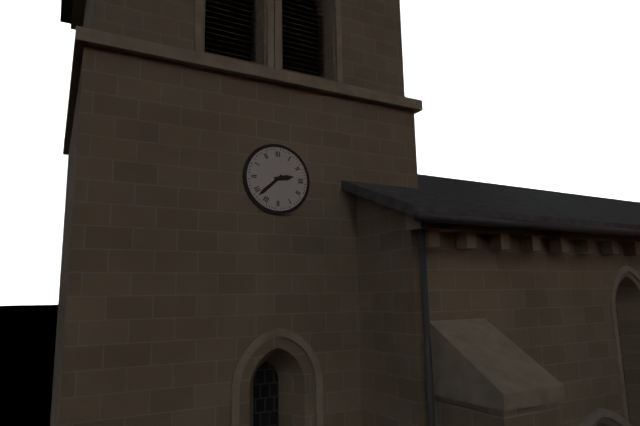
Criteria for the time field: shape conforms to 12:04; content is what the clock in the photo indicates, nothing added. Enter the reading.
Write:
2:38
